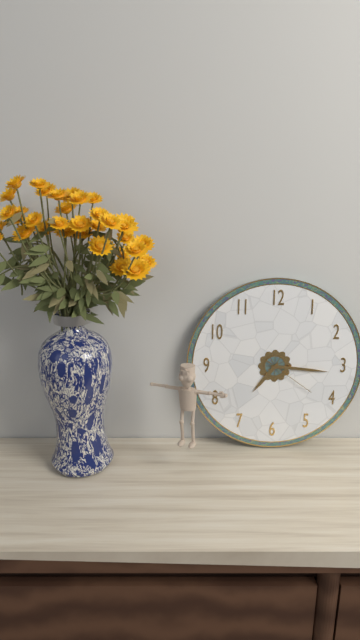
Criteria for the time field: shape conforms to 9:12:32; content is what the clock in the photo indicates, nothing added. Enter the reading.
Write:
7:16:21
